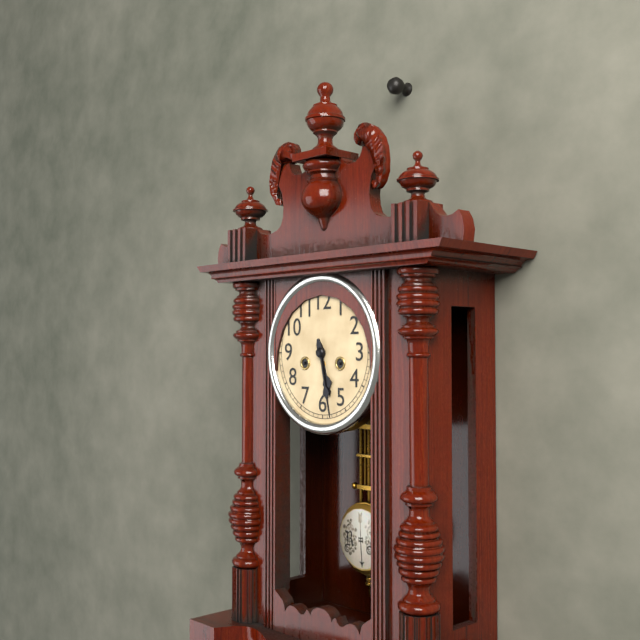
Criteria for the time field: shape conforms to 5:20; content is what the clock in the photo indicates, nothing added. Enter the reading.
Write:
5:28
